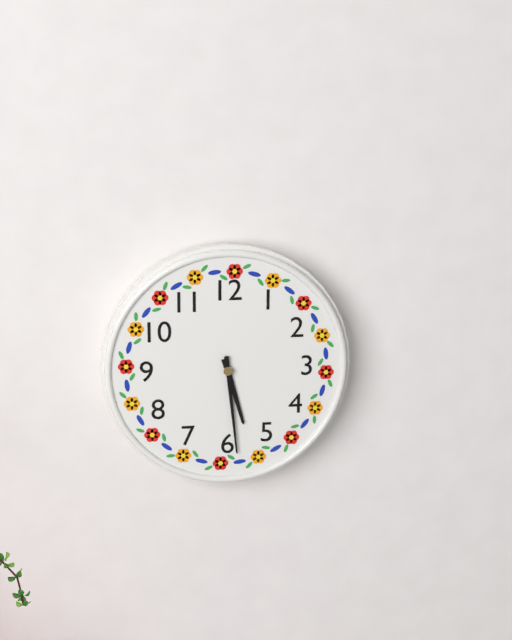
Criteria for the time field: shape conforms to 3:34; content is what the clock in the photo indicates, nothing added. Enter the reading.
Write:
5:29
